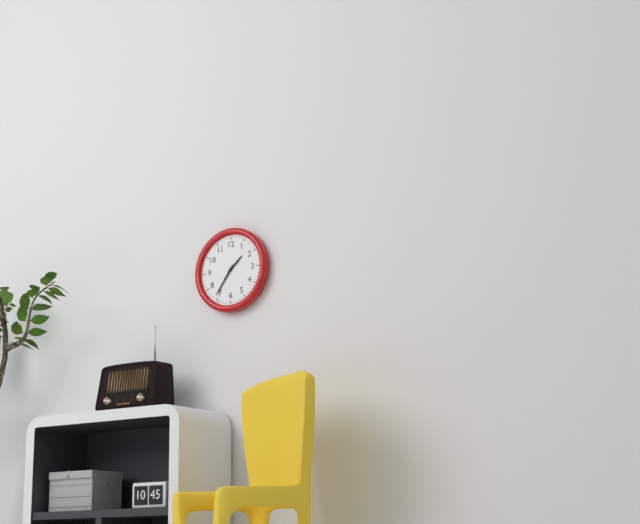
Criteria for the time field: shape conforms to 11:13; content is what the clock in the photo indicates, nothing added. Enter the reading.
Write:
1:36
